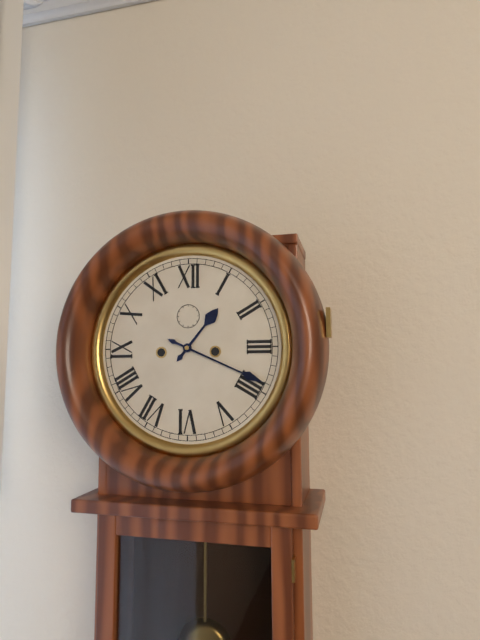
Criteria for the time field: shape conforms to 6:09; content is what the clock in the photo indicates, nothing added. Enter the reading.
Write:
1:19
